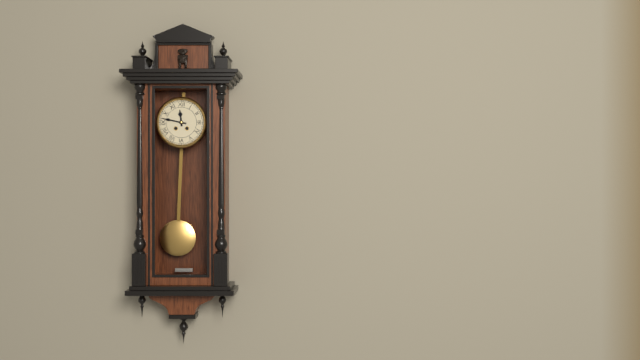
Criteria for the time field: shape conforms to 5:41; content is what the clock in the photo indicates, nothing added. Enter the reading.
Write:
11:47
